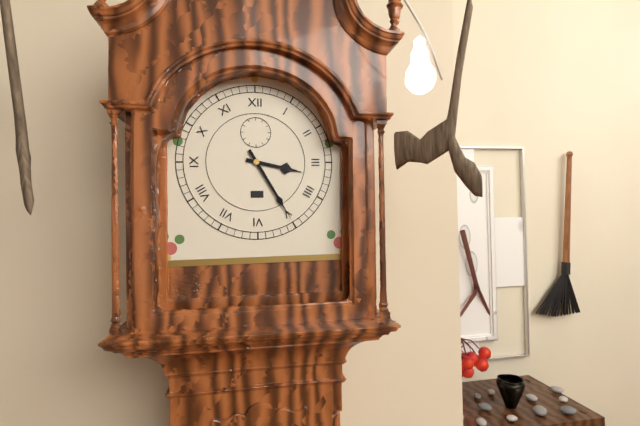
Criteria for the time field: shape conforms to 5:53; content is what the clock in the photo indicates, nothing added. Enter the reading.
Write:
3:25
